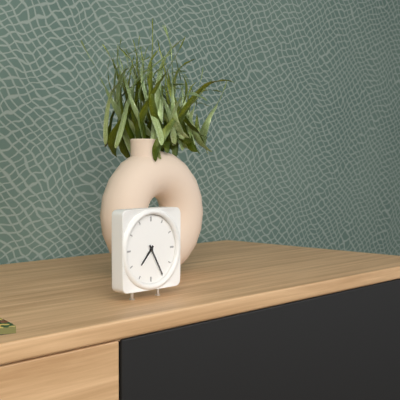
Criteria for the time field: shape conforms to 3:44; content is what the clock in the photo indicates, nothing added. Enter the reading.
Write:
7:25
